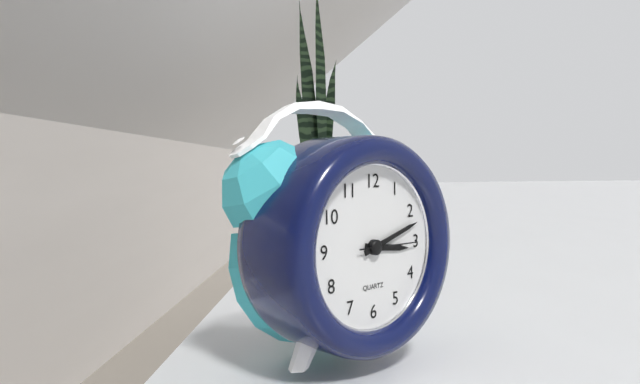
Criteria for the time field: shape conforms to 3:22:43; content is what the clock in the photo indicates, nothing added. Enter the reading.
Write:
3:12:15
